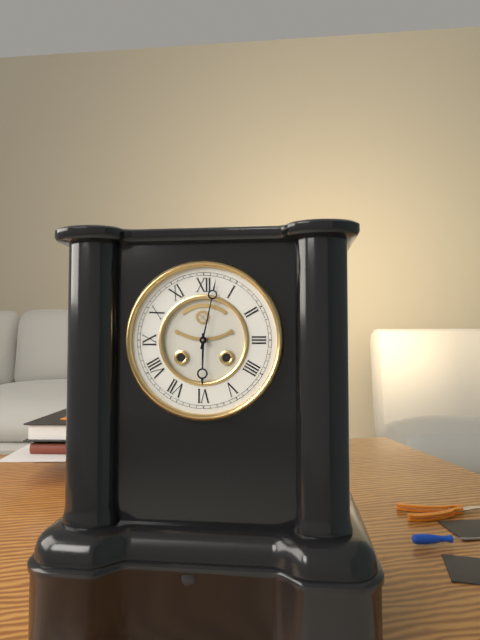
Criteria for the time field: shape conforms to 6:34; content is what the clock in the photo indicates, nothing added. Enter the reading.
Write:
6:02
